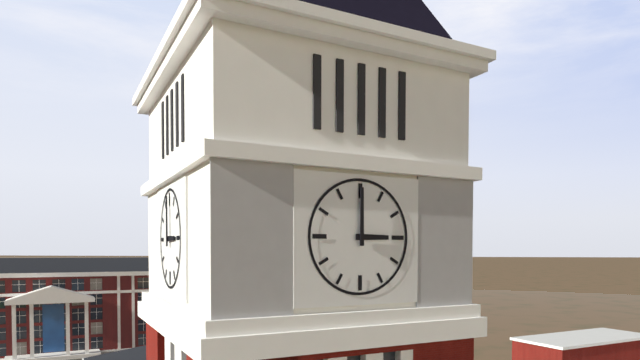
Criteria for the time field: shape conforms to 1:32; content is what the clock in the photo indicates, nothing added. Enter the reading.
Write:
3:00
